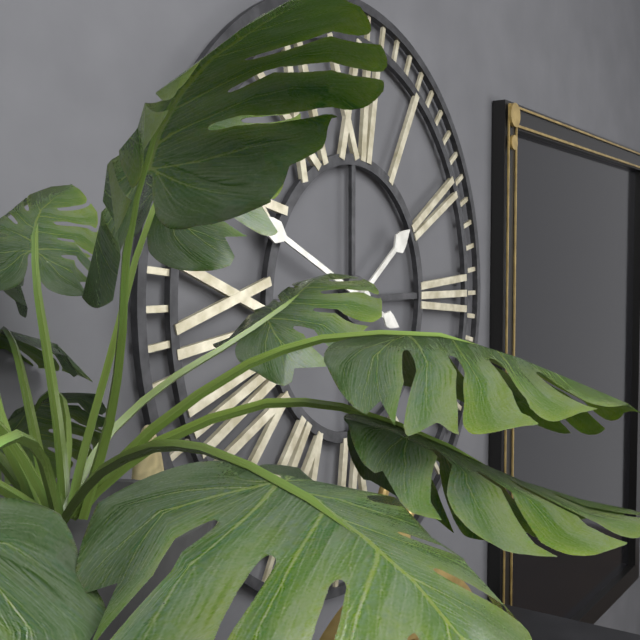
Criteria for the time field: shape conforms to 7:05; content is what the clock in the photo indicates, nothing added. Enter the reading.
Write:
1:49
